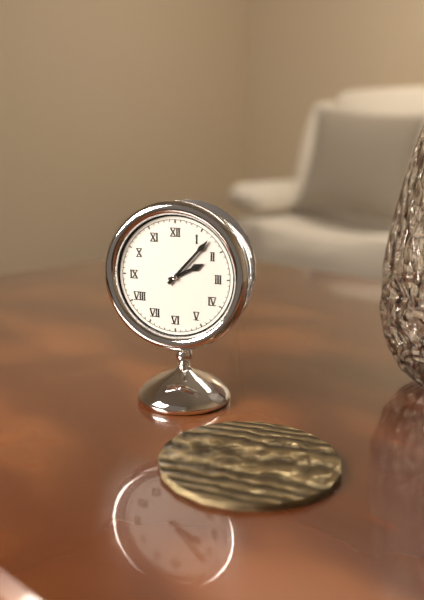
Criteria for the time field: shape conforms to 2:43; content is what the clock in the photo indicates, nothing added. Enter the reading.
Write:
2:07
